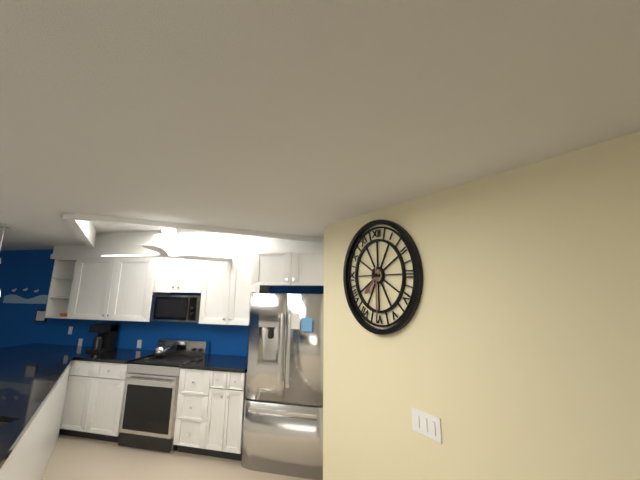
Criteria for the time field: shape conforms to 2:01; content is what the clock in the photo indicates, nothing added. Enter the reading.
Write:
7:30
